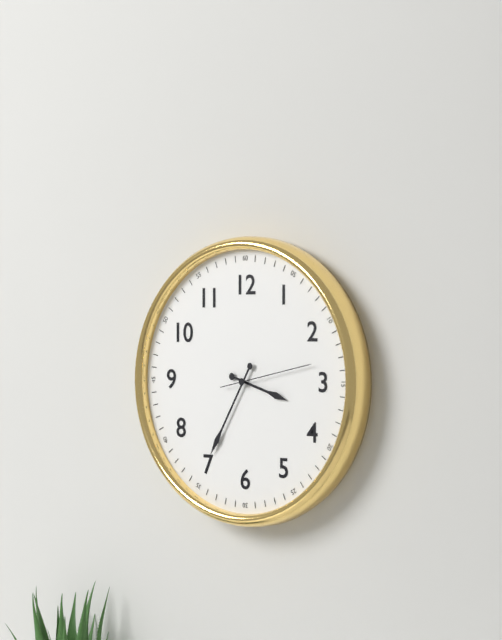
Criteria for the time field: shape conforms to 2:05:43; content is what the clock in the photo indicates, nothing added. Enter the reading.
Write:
3:35:13
